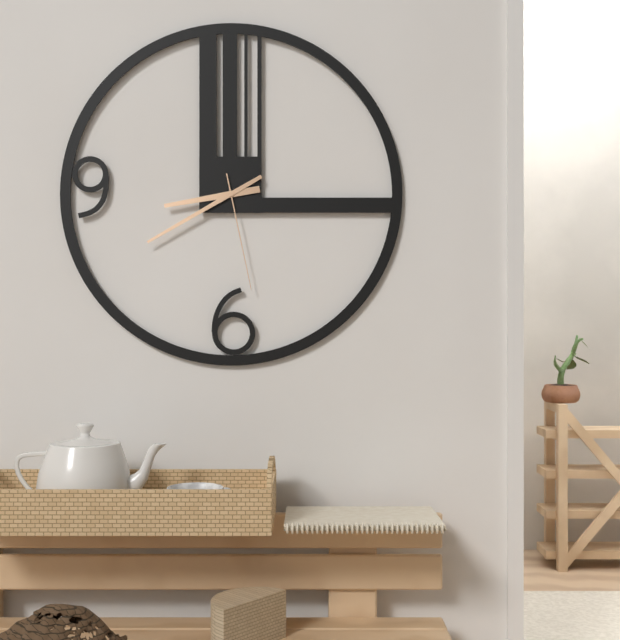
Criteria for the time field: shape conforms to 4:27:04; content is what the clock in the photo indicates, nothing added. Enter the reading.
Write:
8:40:28
